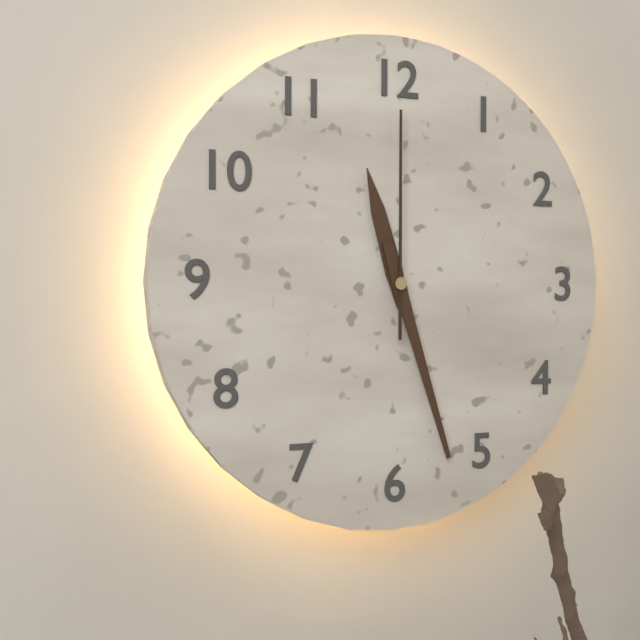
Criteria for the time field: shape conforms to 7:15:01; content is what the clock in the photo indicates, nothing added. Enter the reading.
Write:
11:27:00
